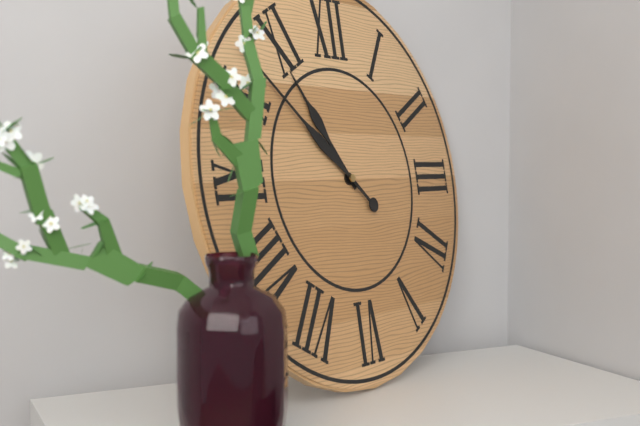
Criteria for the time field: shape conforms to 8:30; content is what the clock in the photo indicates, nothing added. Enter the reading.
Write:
10:52
